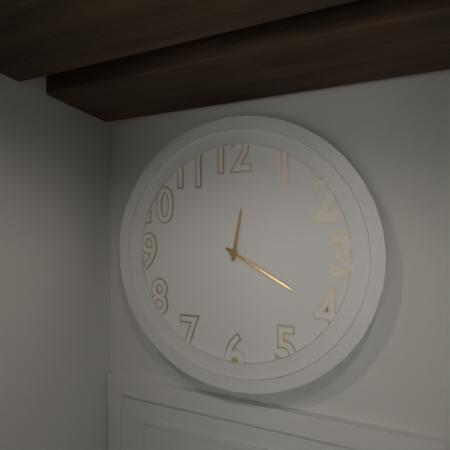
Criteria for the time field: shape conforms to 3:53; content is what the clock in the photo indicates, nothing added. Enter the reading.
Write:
12:20
